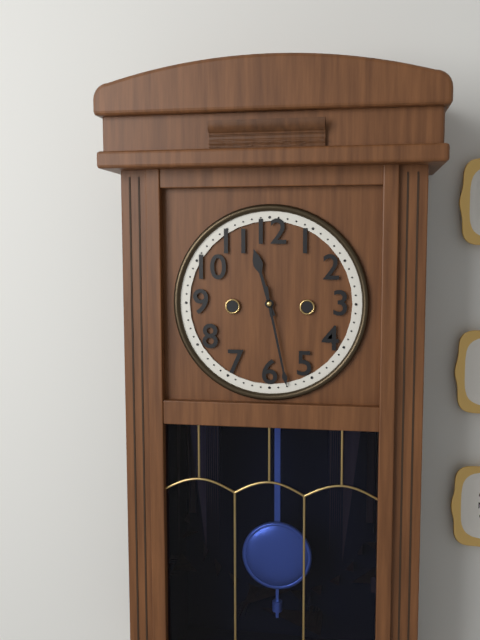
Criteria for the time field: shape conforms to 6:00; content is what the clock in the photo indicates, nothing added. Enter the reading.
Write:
11:28
